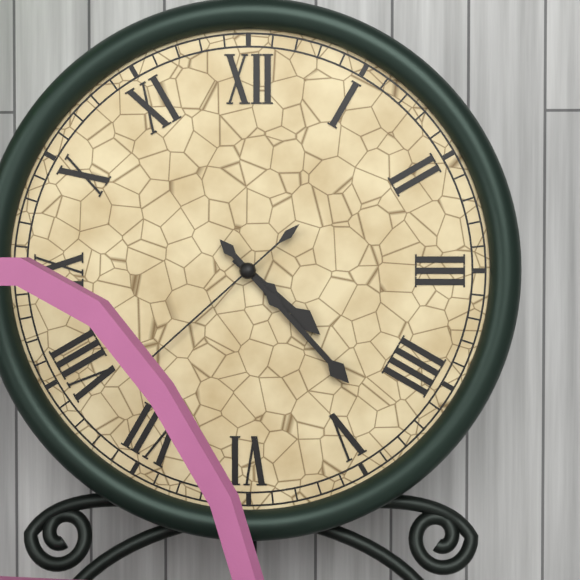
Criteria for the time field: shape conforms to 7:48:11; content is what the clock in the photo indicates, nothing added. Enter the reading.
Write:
4:23:38
